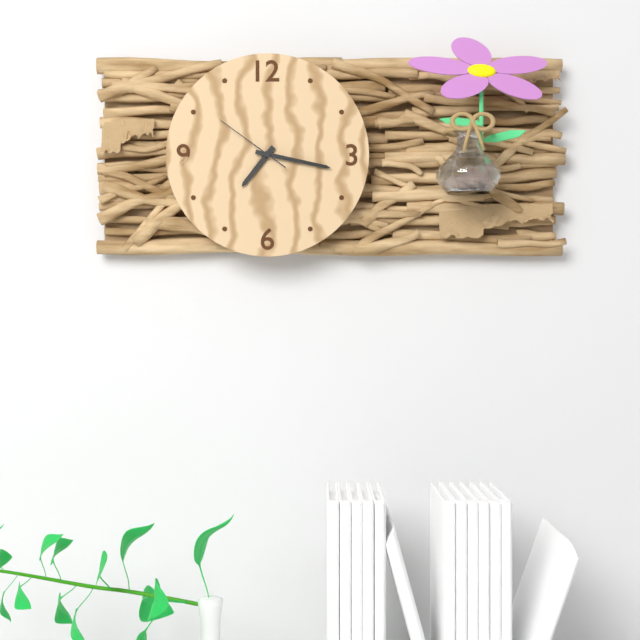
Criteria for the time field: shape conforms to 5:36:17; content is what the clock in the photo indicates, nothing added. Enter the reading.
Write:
7:17:51
